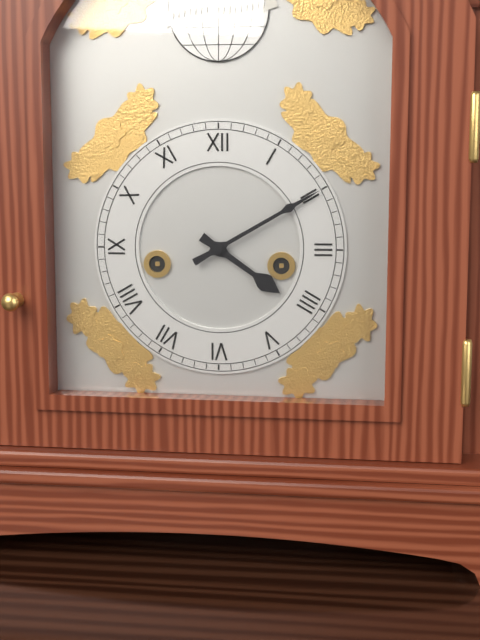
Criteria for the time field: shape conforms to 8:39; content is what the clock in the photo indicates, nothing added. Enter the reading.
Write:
4:10
